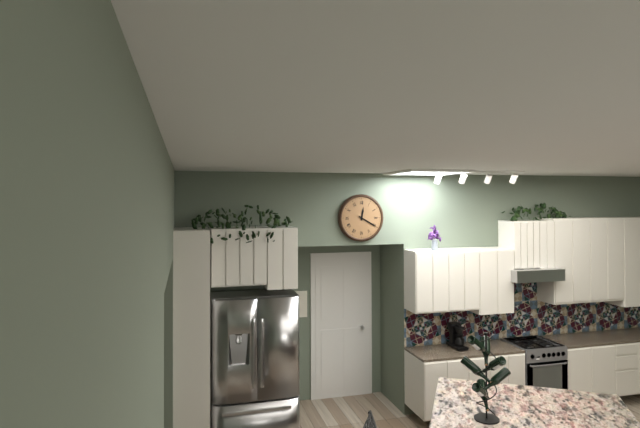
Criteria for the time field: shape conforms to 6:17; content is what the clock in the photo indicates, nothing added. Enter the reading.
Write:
12:20
